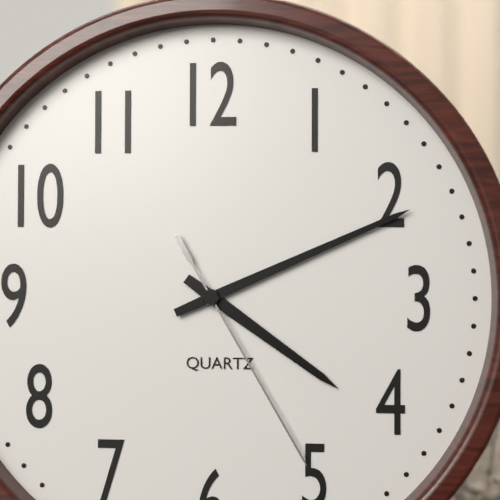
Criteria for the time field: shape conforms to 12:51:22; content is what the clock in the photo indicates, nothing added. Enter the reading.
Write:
4:11:25
